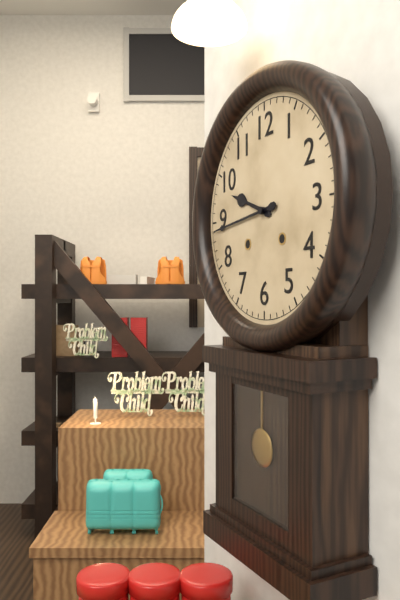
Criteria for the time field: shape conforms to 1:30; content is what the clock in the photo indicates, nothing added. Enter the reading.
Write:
9:44
